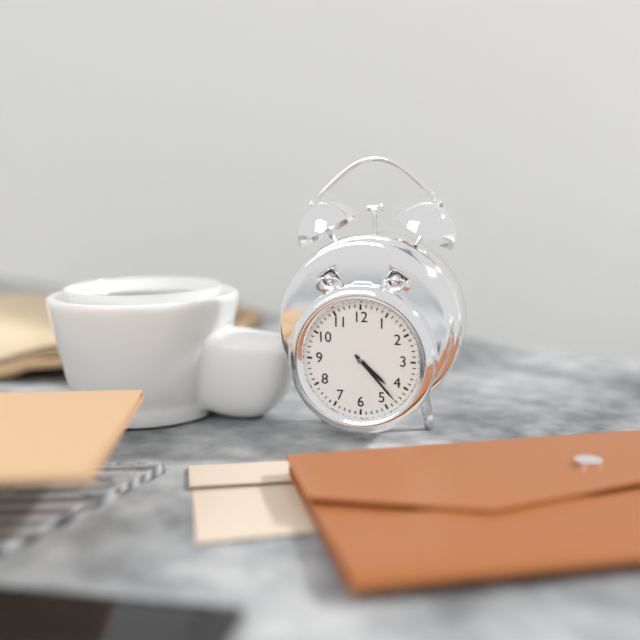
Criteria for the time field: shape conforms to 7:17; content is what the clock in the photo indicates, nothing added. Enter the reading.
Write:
4:23
